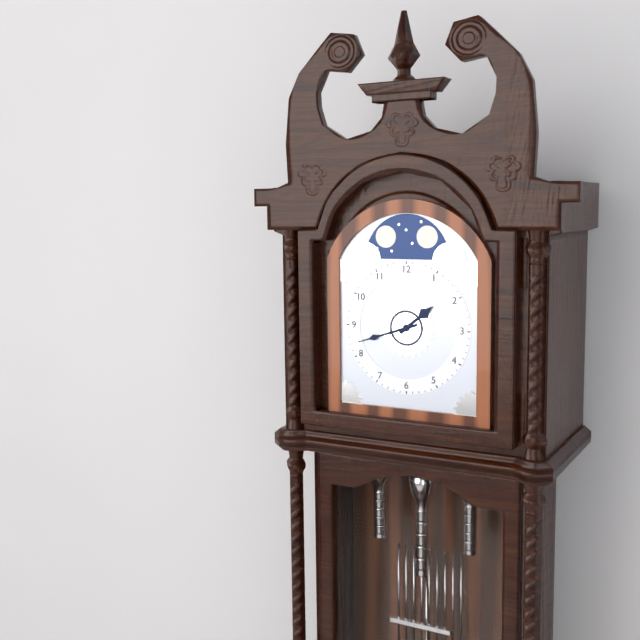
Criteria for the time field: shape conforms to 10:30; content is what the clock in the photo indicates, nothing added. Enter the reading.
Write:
1:42
